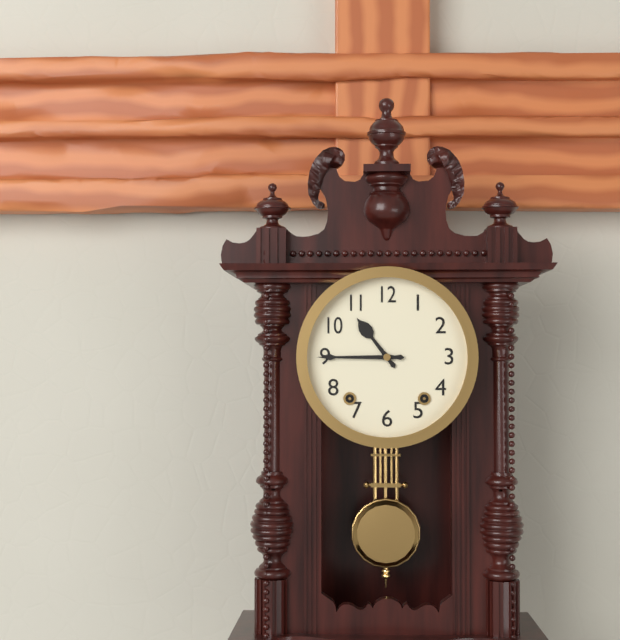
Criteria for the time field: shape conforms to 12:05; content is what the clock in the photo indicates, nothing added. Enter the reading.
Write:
10:45
